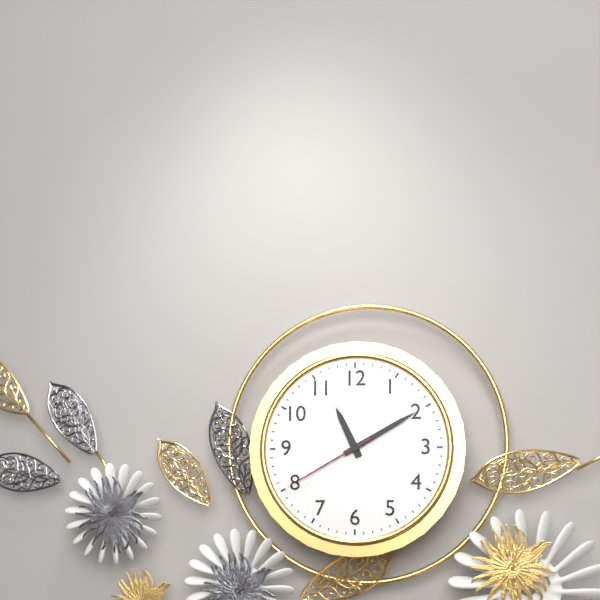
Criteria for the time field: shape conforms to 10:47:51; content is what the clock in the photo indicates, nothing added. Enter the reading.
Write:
11:10:40
